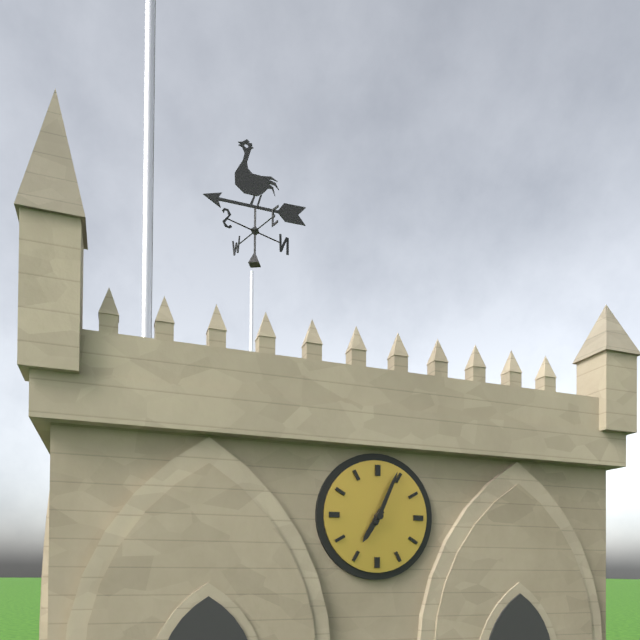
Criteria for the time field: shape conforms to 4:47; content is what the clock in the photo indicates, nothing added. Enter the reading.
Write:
7:04
